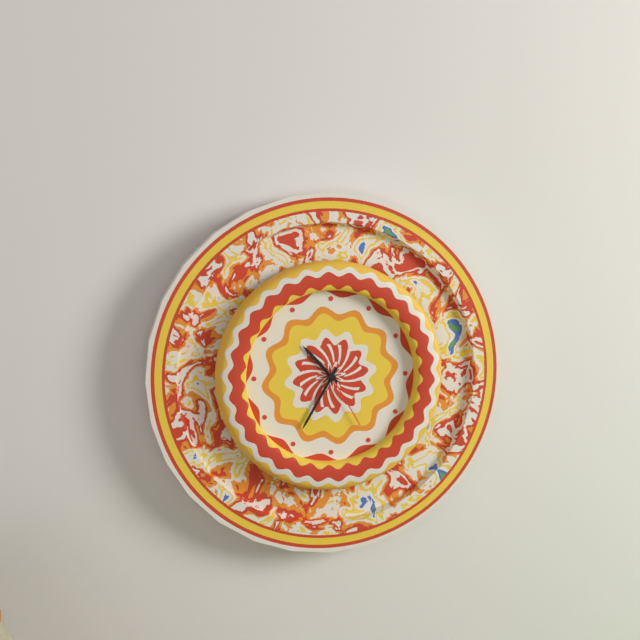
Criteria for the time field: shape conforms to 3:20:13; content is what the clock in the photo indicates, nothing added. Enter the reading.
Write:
10:35:25
